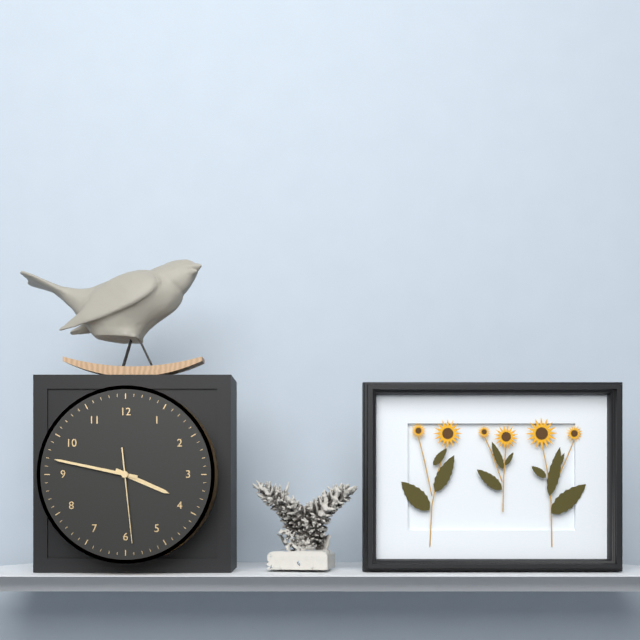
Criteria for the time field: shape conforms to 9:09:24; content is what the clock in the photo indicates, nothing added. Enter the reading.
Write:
3:47:29
